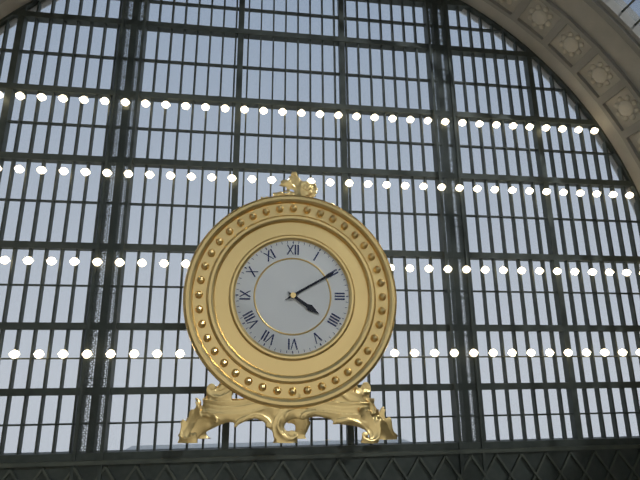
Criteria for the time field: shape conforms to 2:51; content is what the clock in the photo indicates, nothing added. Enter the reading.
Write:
4:10
